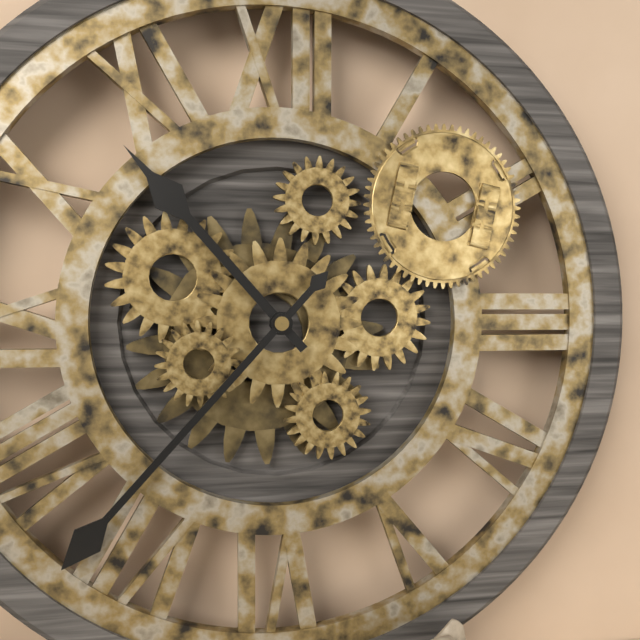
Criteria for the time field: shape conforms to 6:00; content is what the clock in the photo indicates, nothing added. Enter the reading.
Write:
10:37
